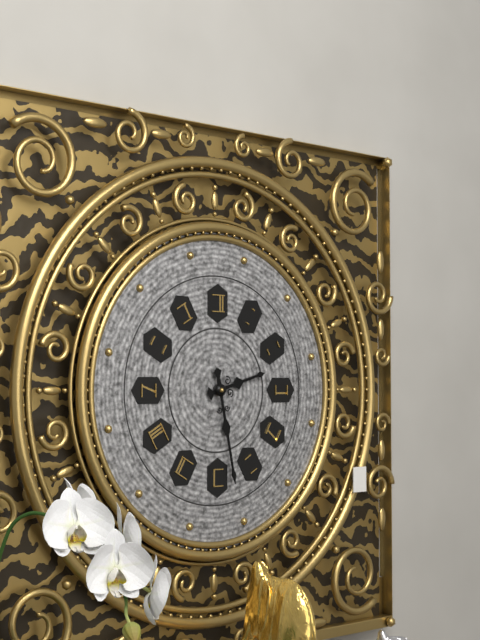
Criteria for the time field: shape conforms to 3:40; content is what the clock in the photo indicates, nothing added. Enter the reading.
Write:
2:28
